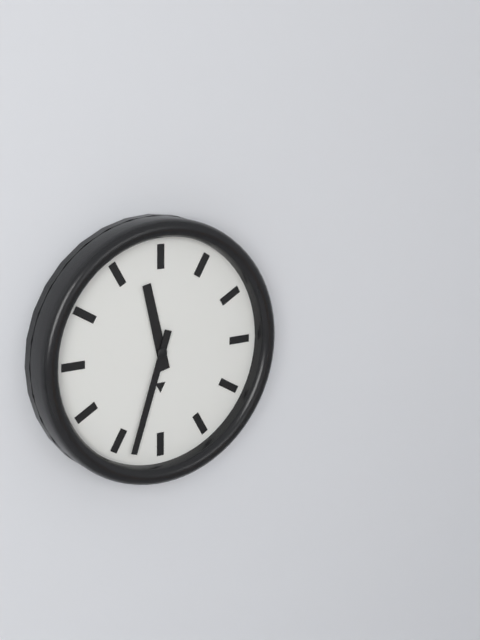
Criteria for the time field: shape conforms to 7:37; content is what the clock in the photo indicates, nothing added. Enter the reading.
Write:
11:33
